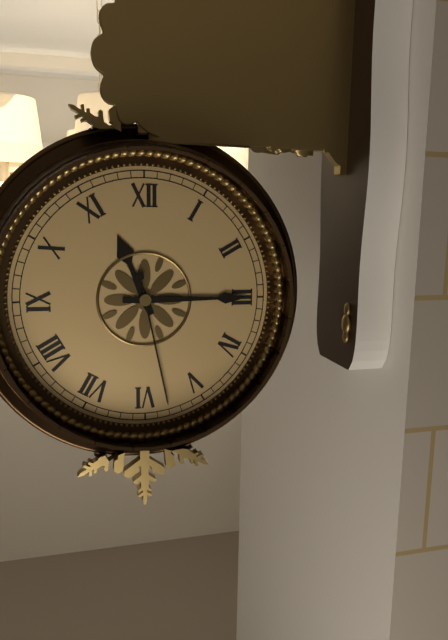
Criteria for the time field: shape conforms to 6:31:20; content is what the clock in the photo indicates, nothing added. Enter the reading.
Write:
11:15:28
